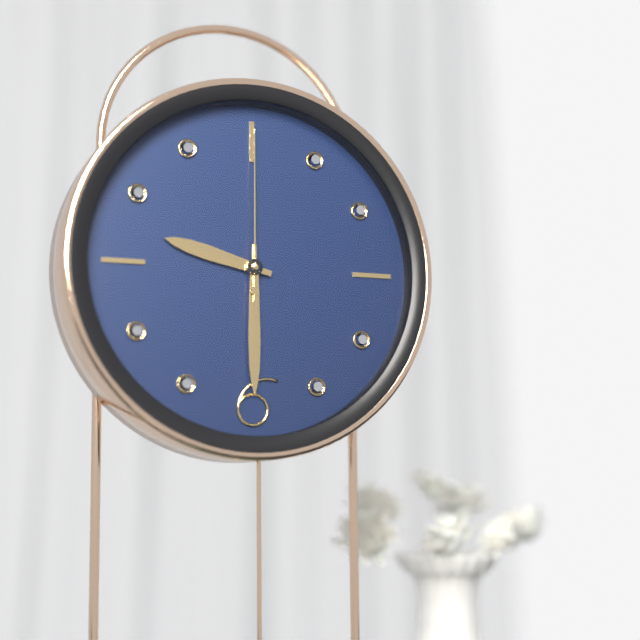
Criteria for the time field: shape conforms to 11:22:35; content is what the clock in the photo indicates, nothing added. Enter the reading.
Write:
9:30:00
